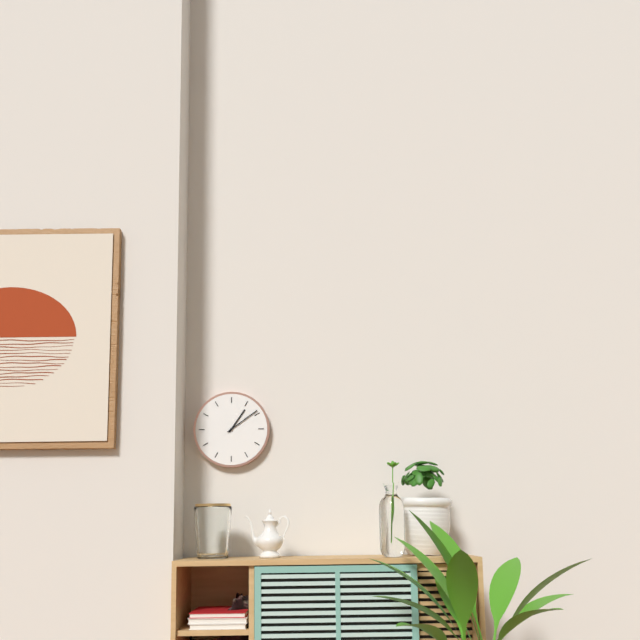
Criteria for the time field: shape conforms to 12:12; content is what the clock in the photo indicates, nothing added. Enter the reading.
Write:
1:09
